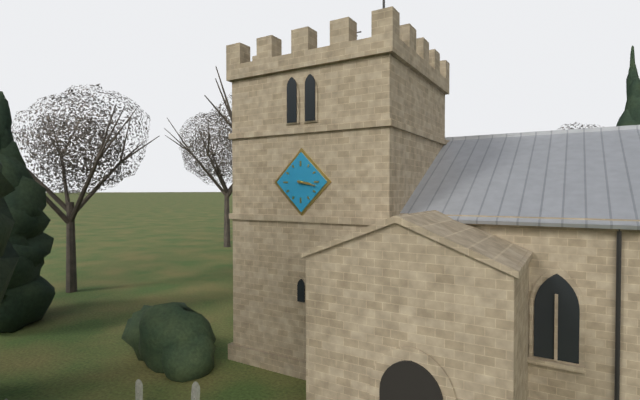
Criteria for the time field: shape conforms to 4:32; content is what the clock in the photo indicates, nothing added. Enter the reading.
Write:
3:17
